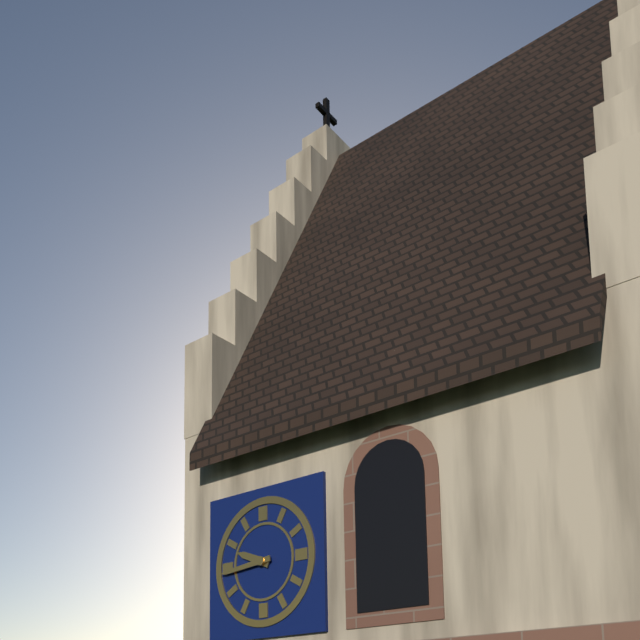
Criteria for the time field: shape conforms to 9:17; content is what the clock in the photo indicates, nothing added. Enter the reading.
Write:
9:44
